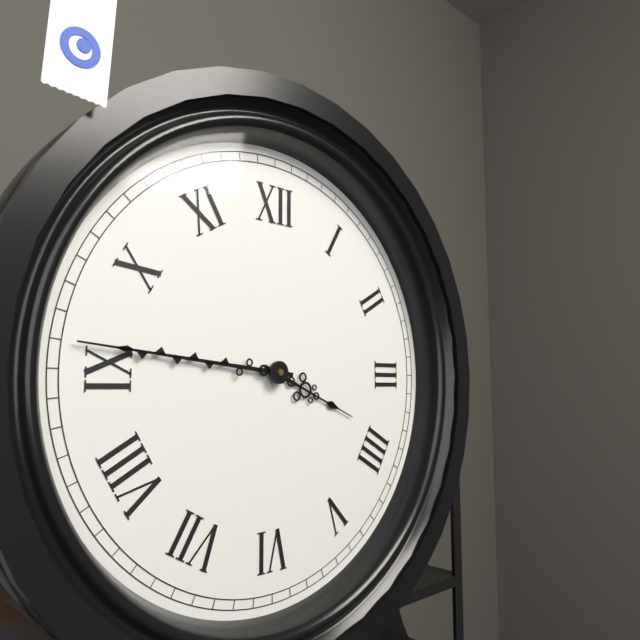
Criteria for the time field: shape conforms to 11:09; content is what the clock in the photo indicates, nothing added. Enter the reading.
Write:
3:46
